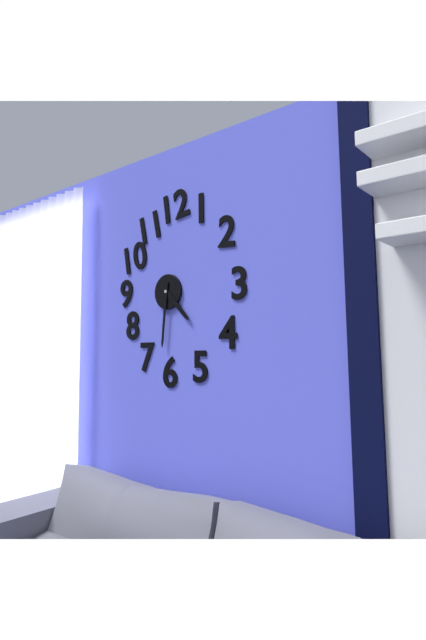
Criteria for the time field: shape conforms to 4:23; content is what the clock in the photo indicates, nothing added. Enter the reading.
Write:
4:31
